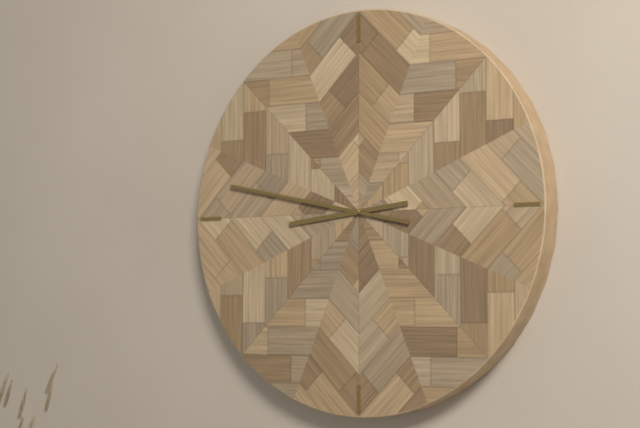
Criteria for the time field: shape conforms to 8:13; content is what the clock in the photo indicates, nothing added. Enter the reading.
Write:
8:47
